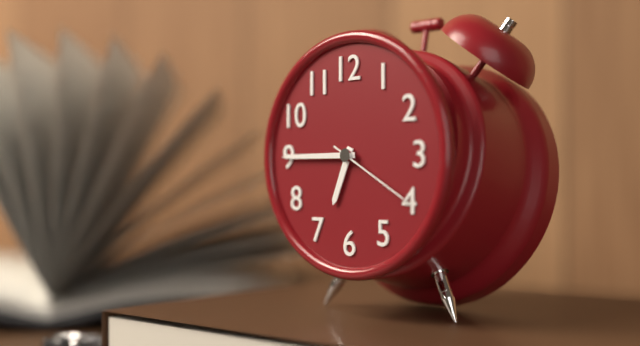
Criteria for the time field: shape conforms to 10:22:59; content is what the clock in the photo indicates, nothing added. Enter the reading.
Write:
6:45:20
